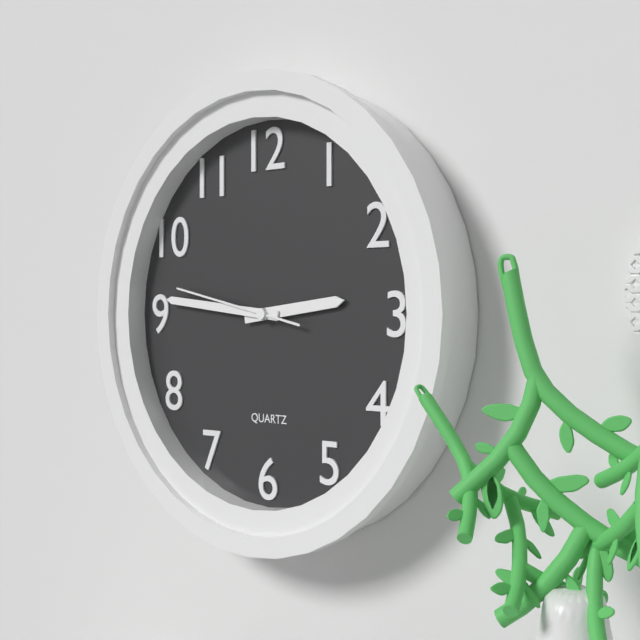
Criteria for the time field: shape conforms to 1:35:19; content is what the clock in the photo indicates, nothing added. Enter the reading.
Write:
2:46:47
